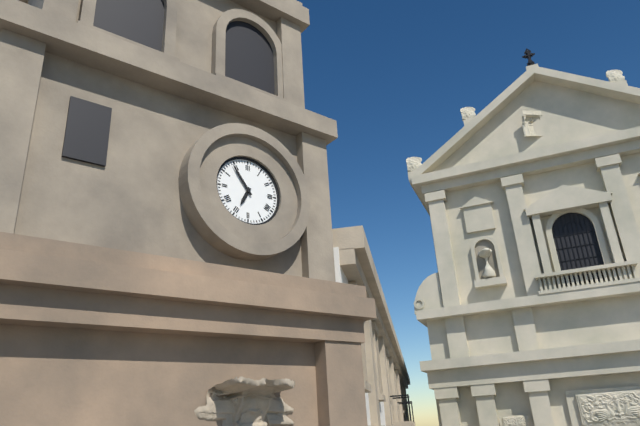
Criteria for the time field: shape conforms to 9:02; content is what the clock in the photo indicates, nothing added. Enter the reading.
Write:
6:54
